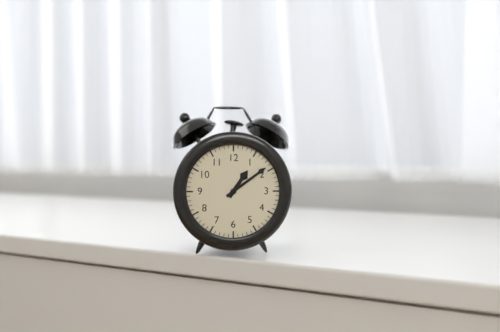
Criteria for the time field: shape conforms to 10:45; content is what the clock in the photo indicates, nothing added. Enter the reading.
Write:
1:09
